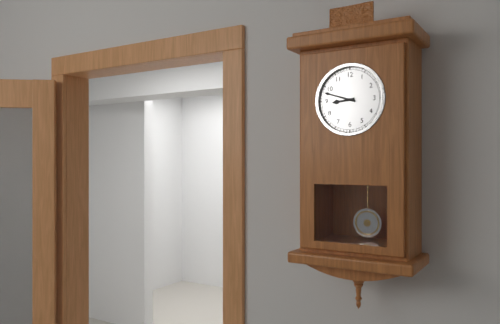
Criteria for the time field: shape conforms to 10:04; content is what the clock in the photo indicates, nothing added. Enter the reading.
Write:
8:48
